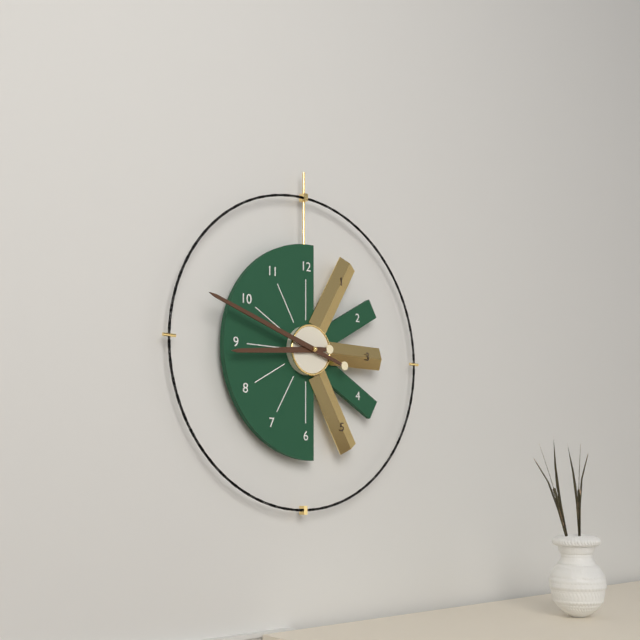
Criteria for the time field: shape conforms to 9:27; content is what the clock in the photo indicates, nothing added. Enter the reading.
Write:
8:48
